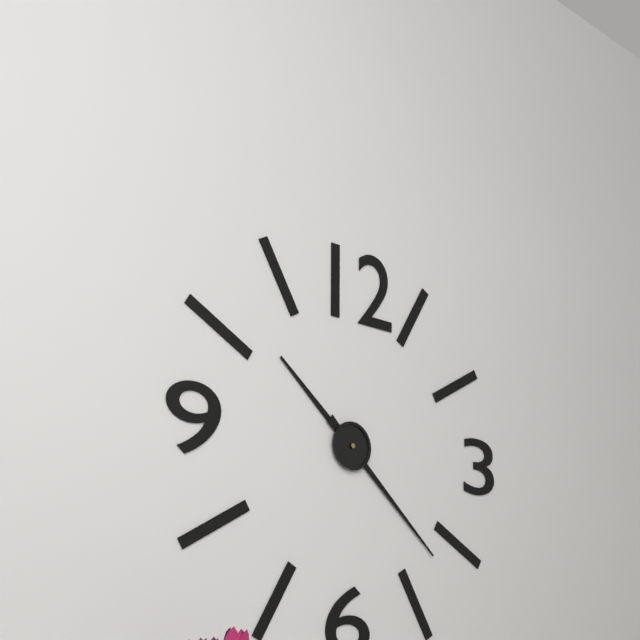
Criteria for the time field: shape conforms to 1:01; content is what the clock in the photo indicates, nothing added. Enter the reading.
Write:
10:22
